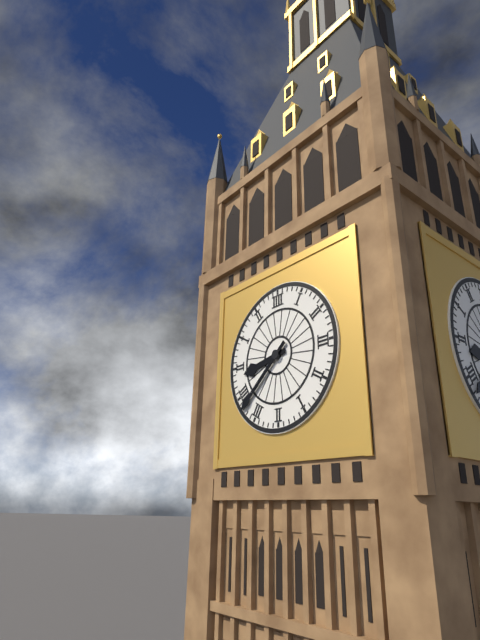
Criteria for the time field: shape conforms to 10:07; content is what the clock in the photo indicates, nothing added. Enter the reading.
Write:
8:38
